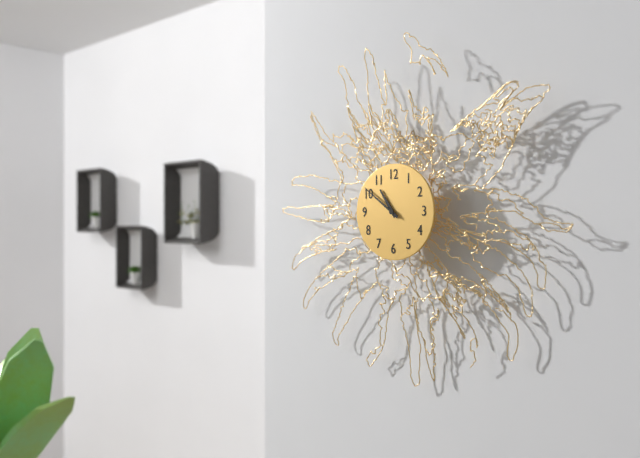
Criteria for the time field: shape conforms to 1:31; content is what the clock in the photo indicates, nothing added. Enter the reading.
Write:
10:51
